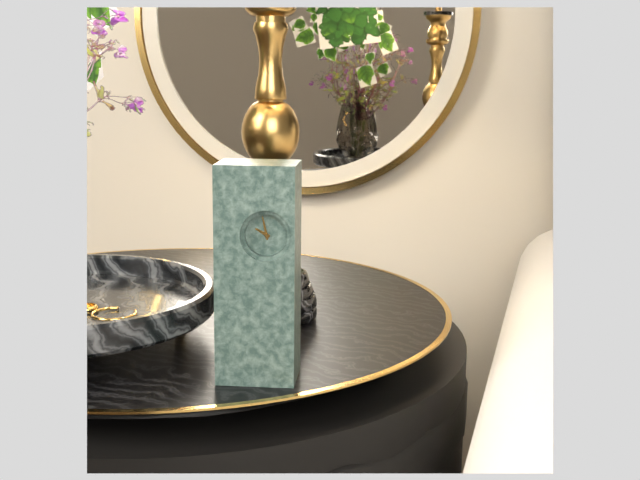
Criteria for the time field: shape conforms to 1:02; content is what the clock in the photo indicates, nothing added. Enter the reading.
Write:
9:58
